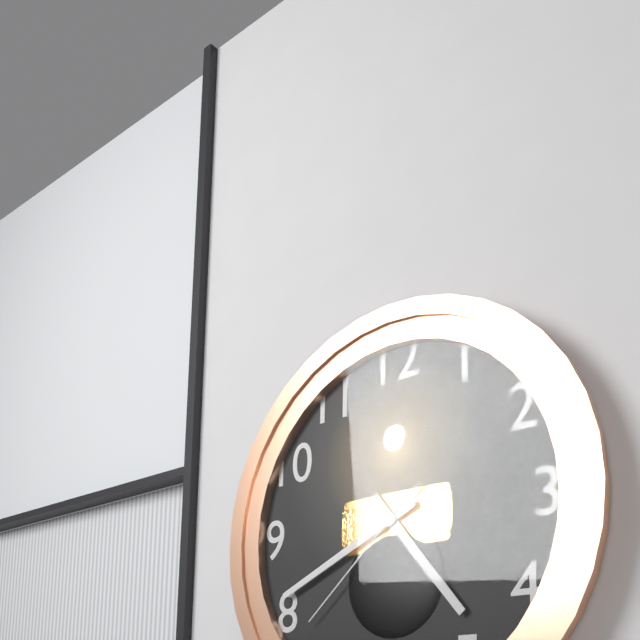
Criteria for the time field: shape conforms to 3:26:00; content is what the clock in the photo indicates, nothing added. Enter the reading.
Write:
4:41:38
